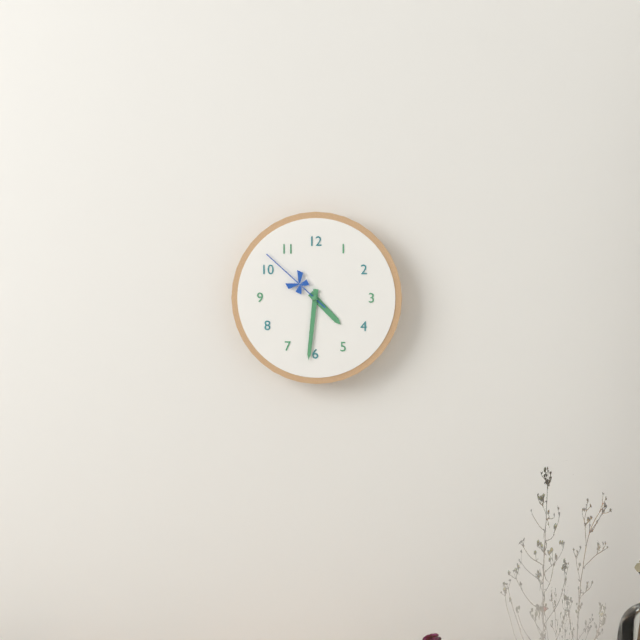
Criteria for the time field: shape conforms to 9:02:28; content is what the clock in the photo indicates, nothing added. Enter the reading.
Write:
4:31:52
